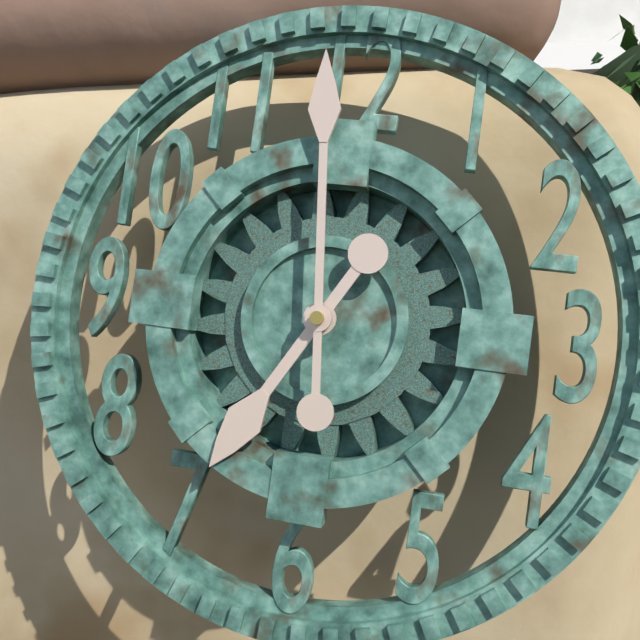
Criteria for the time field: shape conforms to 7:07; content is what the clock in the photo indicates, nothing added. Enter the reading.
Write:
6:59
